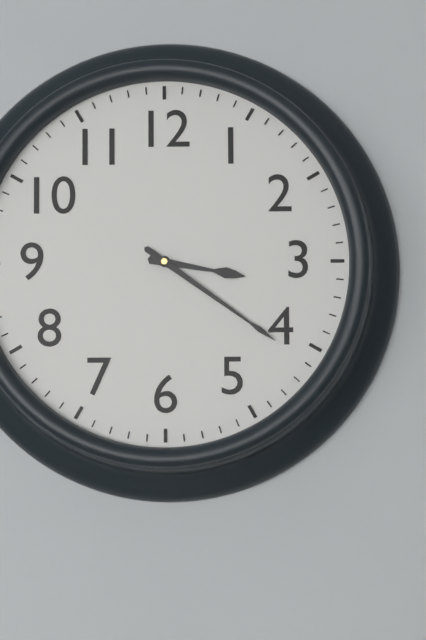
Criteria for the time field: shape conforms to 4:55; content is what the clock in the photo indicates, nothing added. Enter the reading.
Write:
3:21
